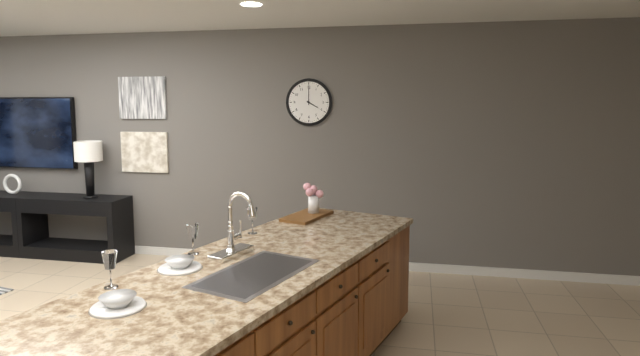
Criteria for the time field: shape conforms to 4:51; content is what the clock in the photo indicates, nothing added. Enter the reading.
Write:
4:00
